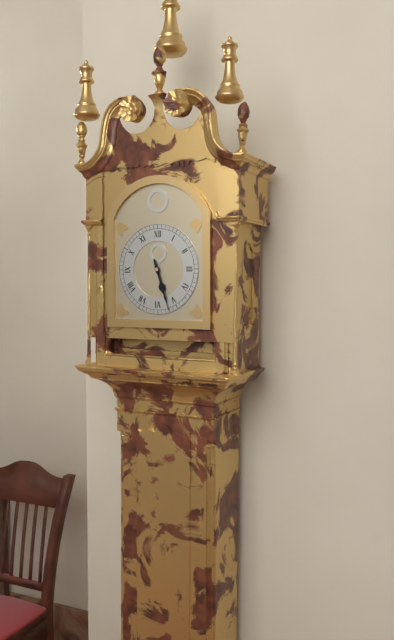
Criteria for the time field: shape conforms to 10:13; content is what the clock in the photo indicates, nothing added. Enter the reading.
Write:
5:27
